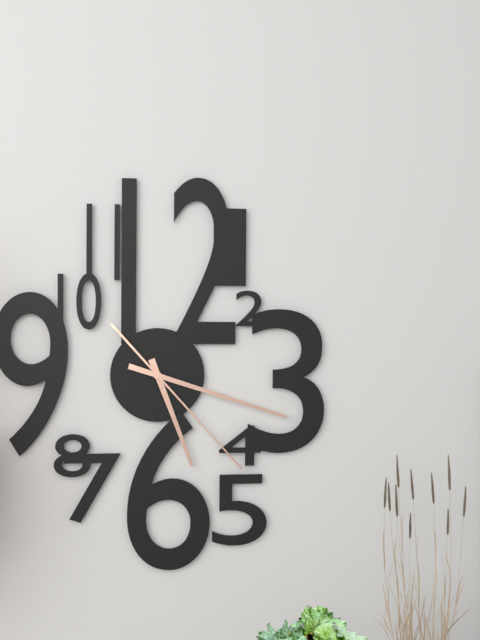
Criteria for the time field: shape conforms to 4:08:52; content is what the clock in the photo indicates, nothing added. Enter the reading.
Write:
5:18:23
